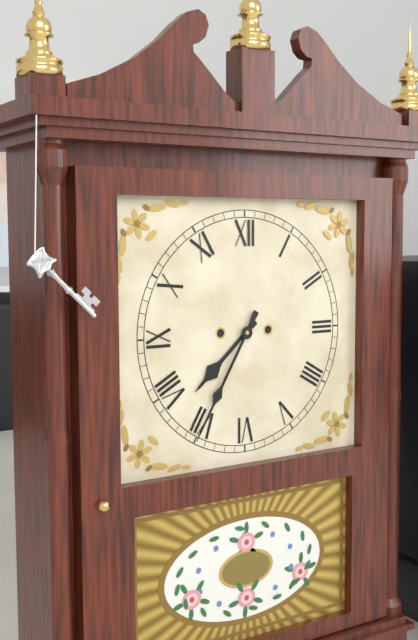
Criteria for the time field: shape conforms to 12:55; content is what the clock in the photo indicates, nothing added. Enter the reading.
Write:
7:35
